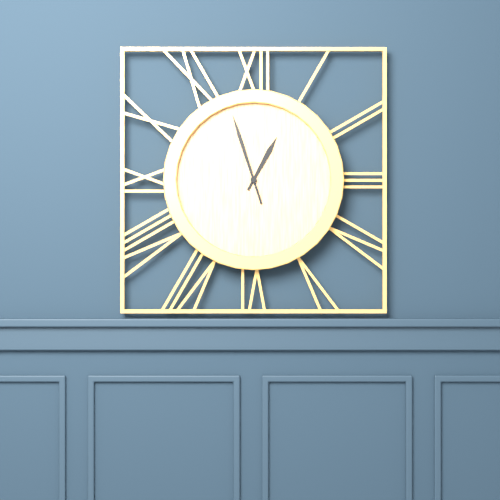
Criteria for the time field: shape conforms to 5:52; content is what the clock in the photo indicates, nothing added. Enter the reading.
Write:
12:57
